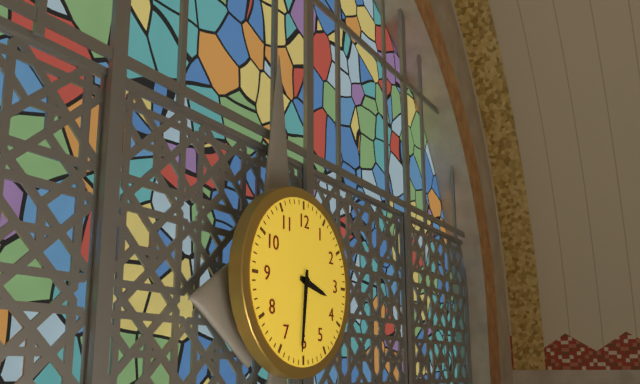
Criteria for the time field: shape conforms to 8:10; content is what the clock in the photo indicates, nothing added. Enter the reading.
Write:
3:31
